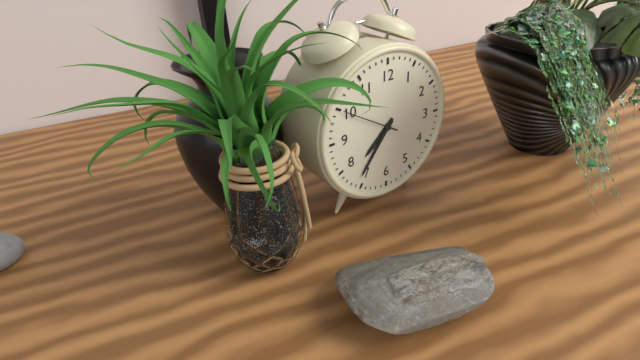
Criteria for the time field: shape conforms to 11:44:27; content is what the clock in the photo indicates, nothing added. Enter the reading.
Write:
7:36:50
